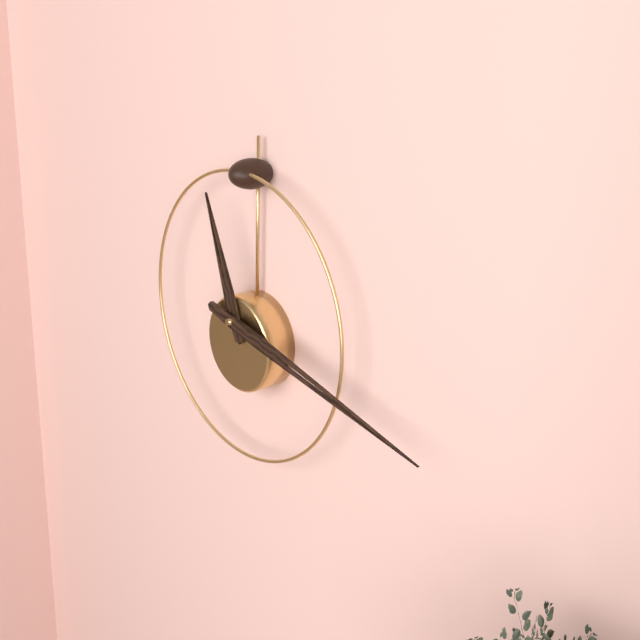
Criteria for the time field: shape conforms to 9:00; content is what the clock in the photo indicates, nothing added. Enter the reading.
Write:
11:17
